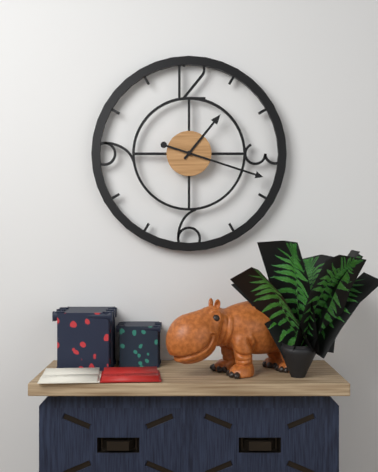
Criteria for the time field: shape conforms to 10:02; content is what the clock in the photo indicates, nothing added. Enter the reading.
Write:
1:18
